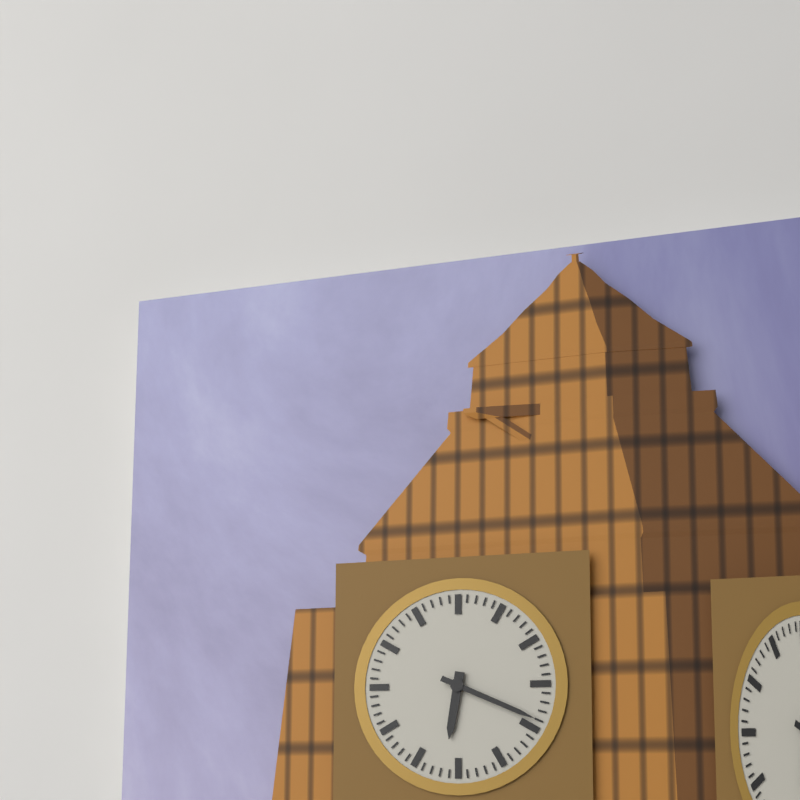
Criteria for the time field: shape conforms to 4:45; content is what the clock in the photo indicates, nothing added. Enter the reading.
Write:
6:19
